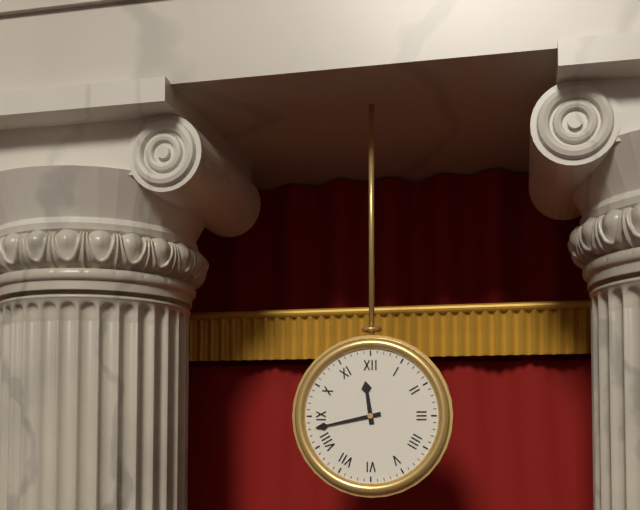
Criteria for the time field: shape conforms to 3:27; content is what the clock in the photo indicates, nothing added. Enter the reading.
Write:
11:43
